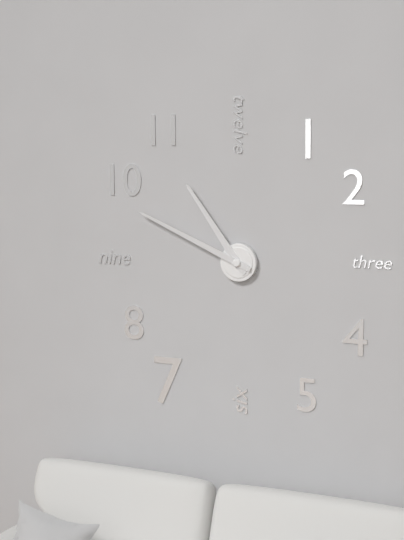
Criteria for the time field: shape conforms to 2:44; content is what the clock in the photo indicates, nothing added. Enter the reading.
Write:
10:49
